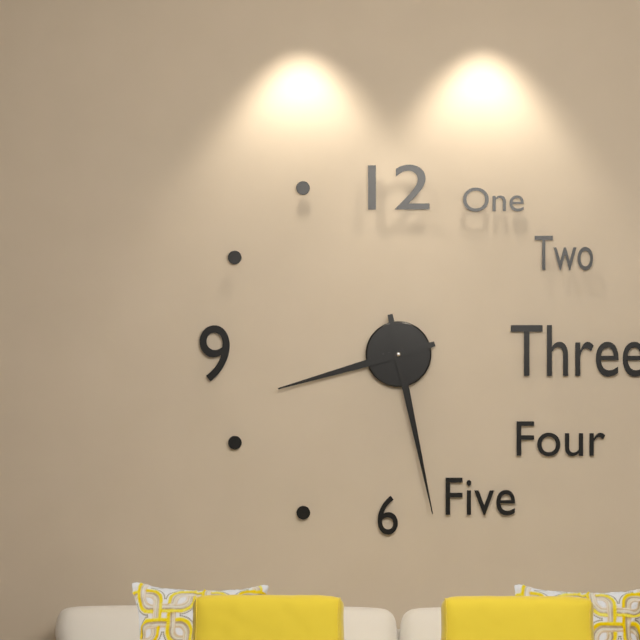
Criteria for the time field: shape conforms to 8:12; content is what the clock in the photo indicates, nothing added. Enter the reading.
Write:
8:28
